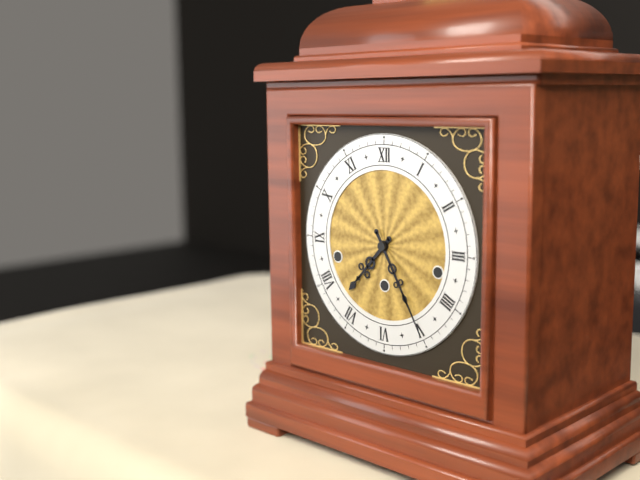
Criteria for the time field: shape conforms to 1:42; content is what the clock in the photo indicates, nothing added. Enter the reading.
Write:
7:25
